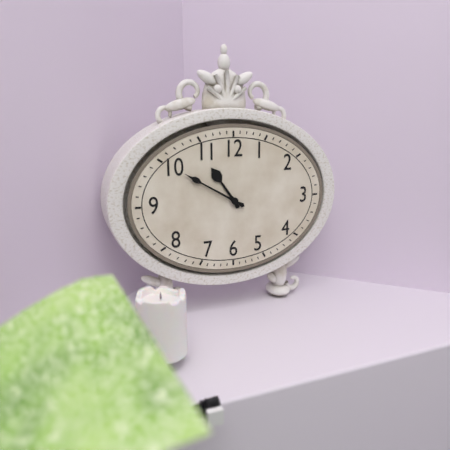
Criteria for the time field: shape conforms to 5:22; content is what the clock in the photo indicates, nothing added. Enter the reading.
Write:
10:50
